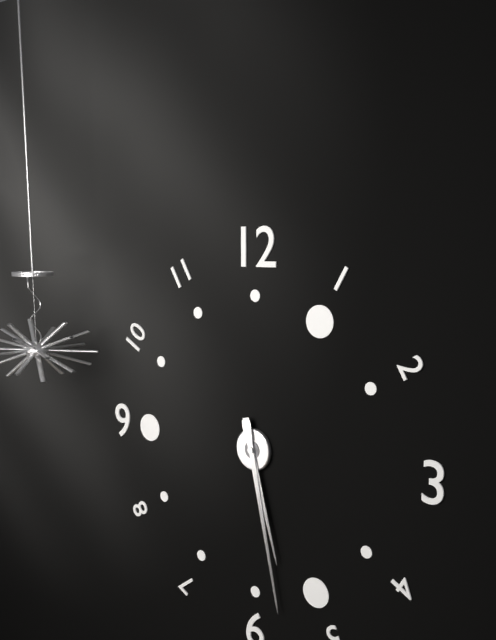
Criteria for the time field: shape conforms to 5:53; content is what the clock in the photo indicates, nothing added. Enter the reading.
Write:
5:28
